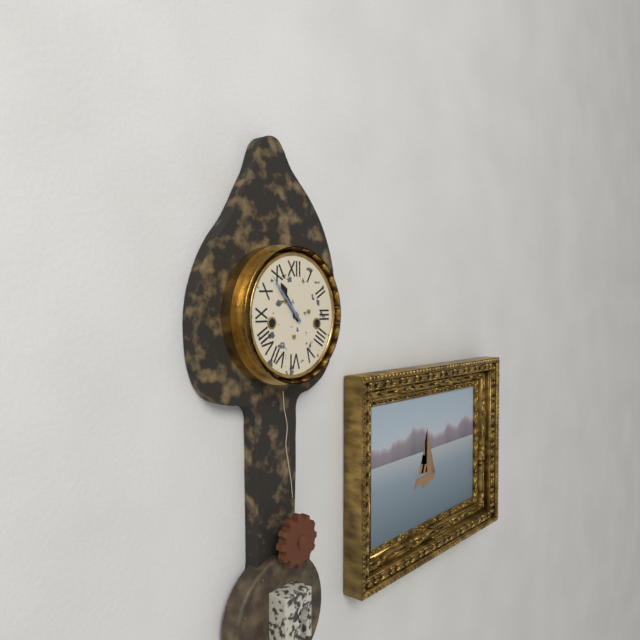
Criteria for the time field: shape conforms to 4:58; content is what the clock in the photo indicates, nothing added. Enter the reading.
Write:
10:53
